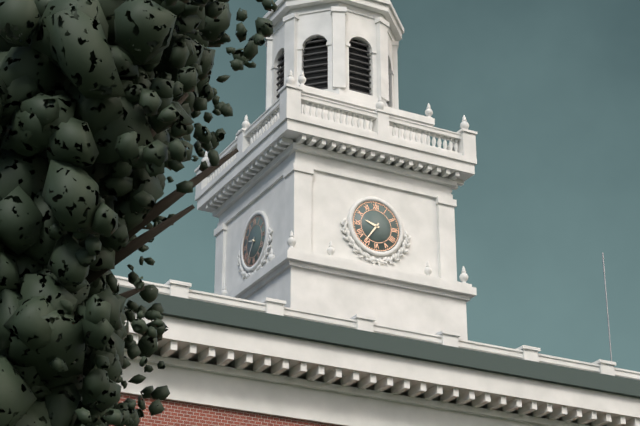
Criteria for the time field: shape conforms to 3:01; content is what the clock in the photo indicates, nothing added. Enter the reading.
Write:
9:36
